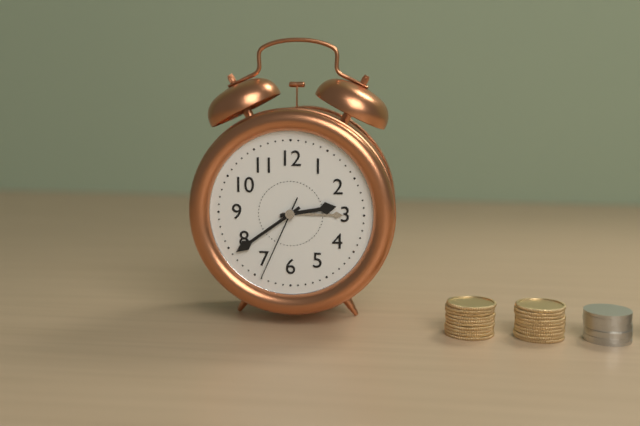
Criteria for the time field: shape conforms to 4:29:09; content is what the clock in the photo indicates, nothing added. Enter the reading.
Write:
2:39:34
